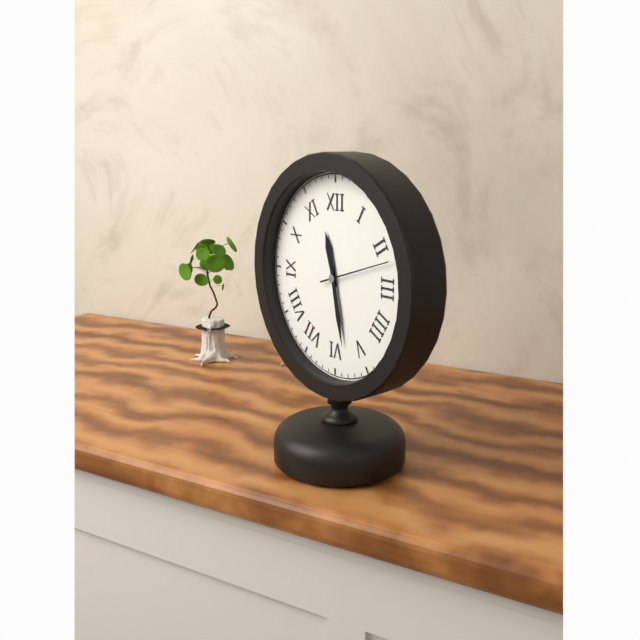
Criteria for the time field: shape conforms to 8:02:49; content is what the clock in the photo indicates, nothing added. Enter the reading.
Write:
11:28:12
